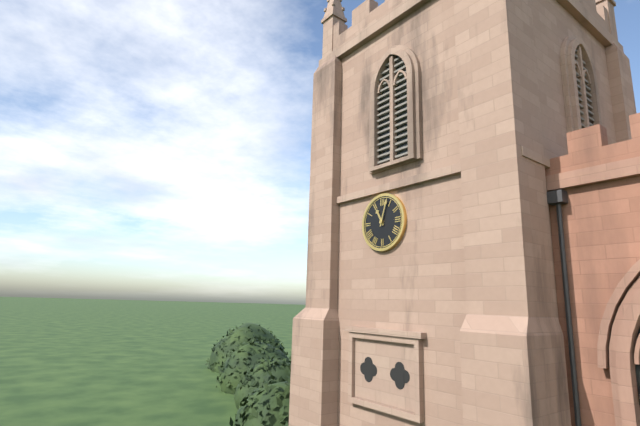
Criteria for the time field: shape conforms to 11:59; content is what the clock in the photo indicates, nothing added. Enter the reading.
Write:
11:03
